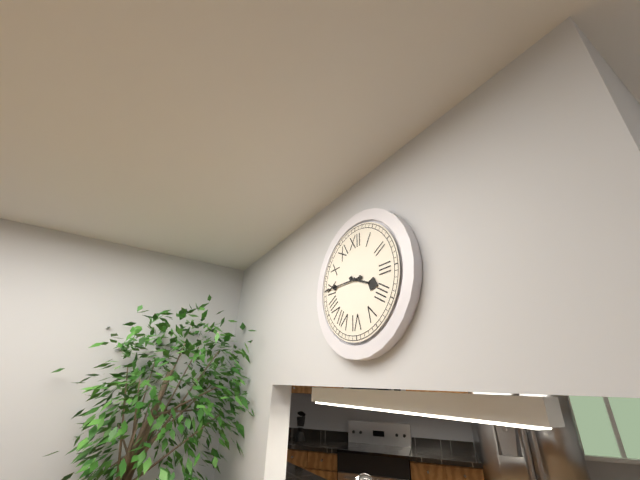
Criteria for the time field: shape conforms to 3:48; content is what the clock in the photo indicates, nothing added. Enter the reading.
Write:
3:45
